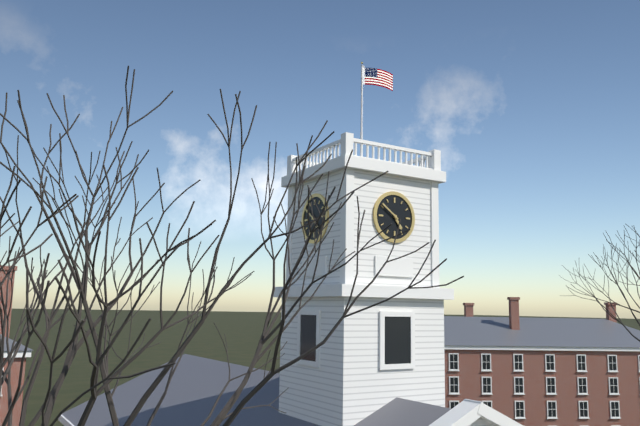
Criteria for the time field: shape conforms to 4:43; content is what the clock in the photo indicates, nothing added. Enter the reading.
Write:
4:51
